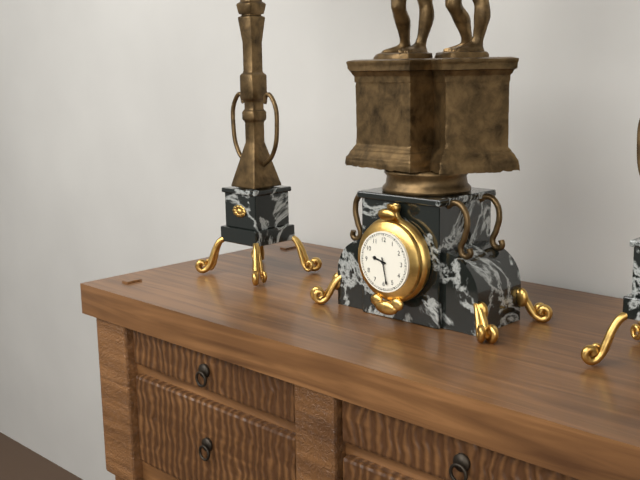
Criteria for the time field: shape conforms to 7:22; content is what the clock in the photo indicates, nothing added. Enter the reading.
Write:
9:28
